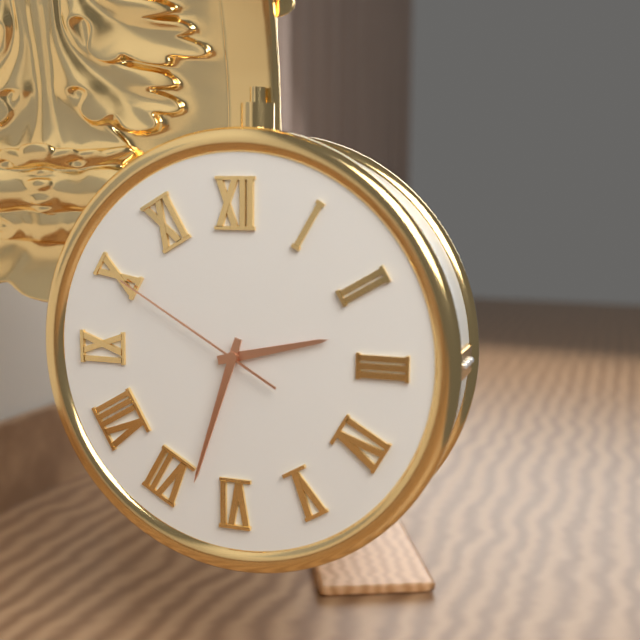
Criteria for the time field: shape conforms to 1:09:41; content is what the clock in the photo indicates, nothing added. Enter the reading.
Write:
2:33:50
